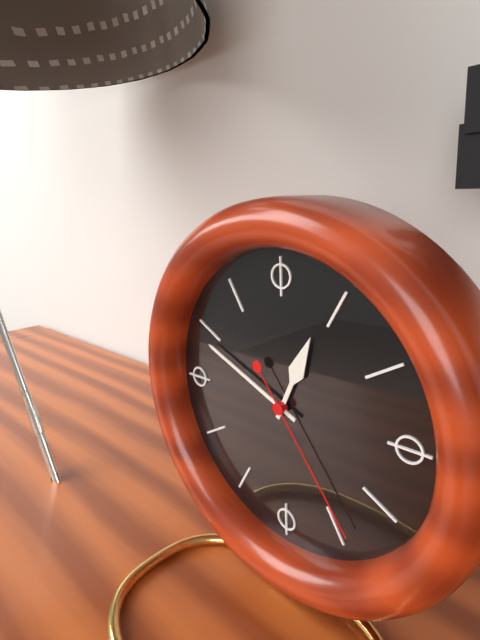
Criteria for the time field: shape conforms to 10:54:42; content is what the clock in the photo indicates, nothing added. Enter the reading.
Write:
12:49:24
